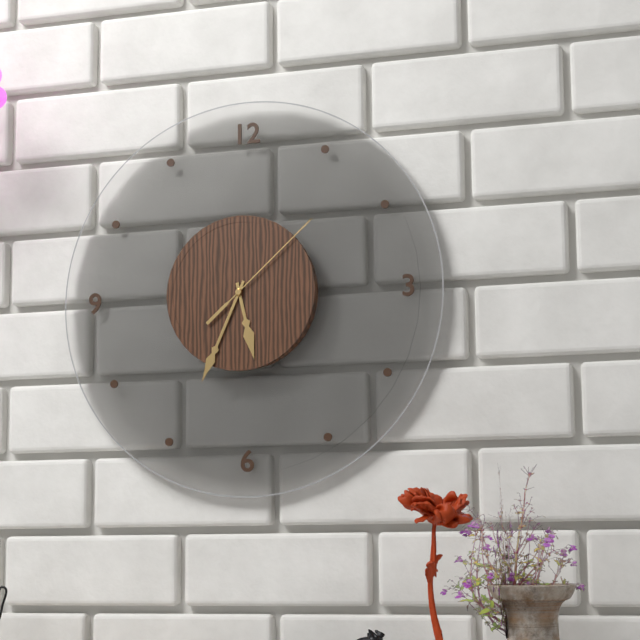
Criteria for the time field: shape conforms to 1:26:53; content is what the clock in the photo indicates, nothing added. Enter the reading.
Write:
5:34:08
